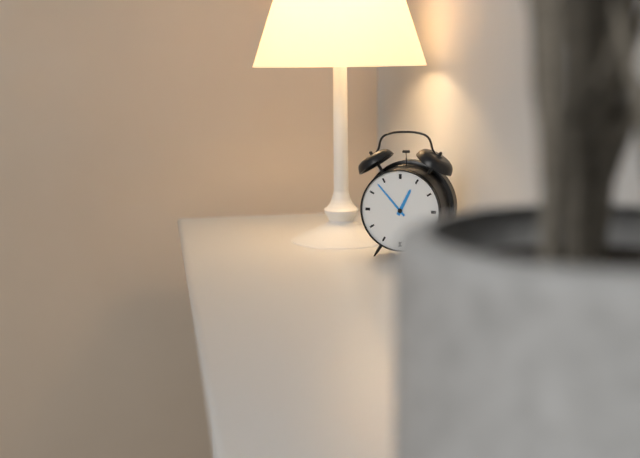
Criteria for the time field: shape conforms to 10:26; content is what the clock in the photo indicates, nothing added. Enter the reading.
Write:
12:53
